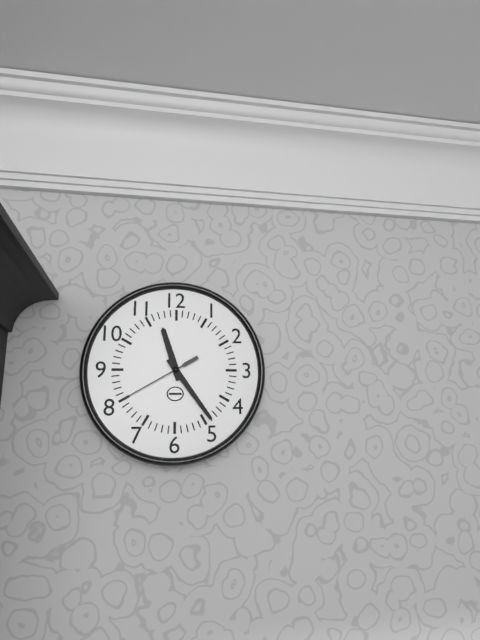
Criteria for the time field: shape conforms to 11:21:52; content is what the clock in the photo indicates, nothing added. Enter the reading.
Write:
11:24:40
